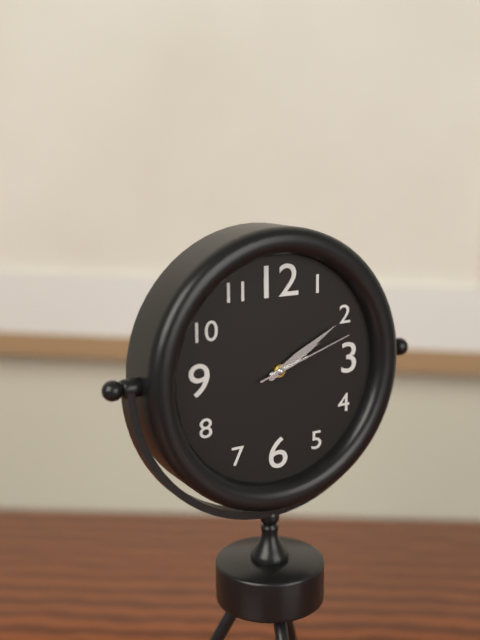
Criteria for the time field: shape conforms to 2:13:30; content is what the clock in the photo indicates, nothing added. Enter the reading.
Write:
2:10:12
